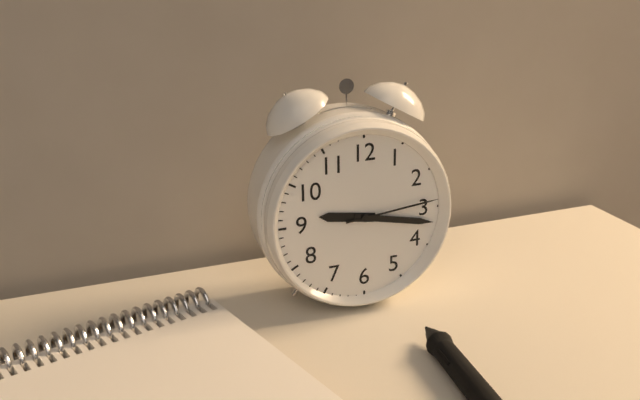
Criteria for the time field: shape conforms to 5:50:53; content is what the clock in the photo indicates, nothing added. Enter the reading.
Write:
9:17:14
